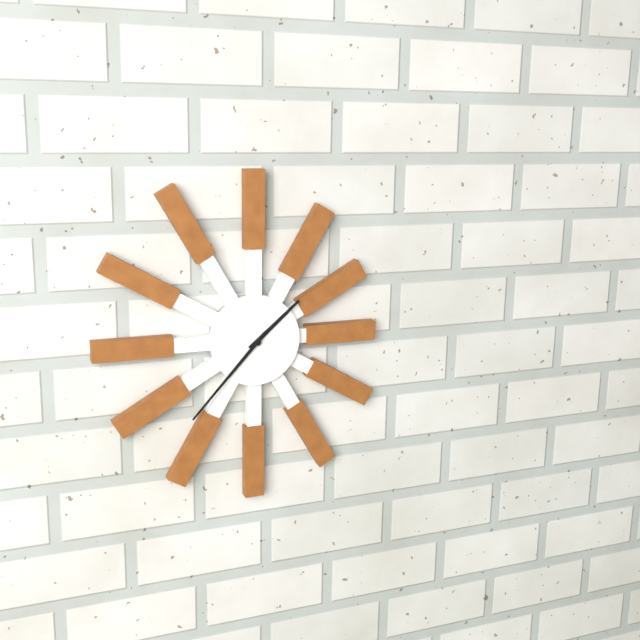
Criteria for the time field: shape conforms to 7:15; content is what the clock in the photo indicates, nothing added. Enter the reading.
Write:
1:37
